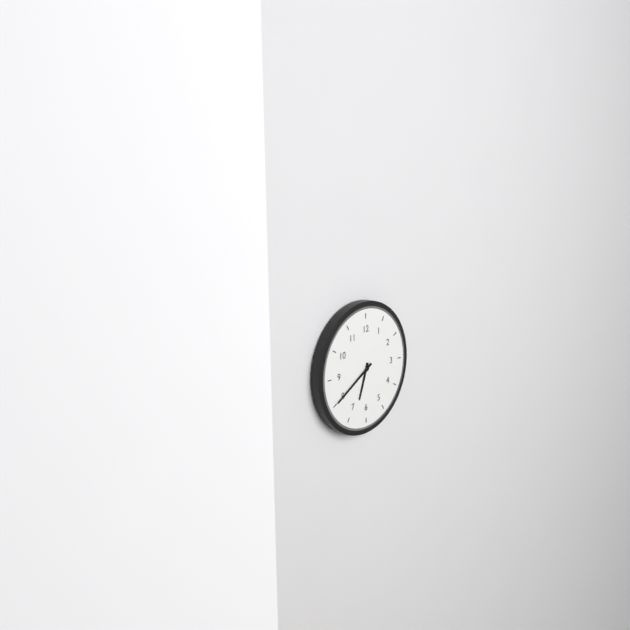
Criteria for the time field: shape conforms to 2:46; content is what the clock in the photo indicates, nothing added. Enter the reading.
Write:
6:40
